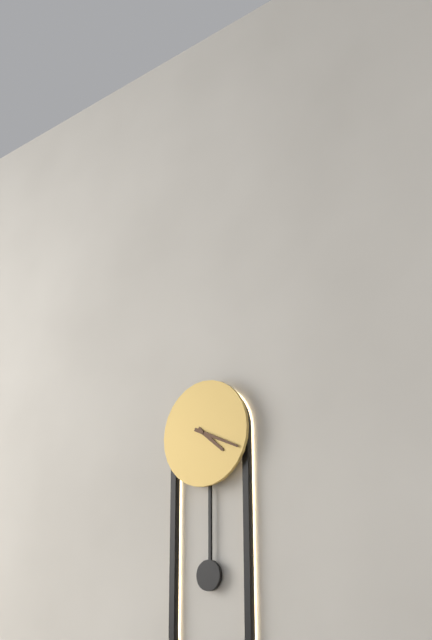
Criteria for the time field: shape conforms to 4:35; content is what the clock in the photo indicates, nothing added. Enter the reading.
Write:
4:19
